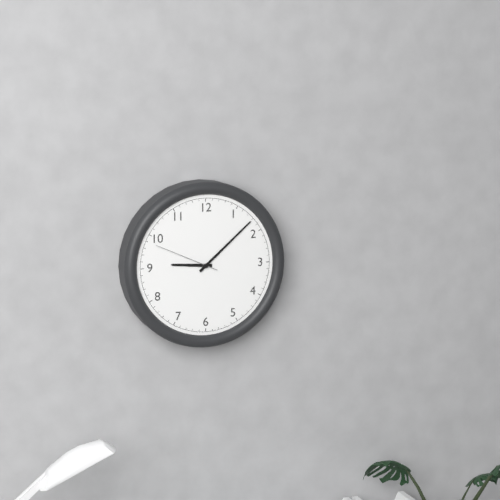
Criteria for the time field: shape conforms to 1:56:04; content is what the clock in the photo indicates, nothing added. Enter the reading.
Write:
9:08:49
